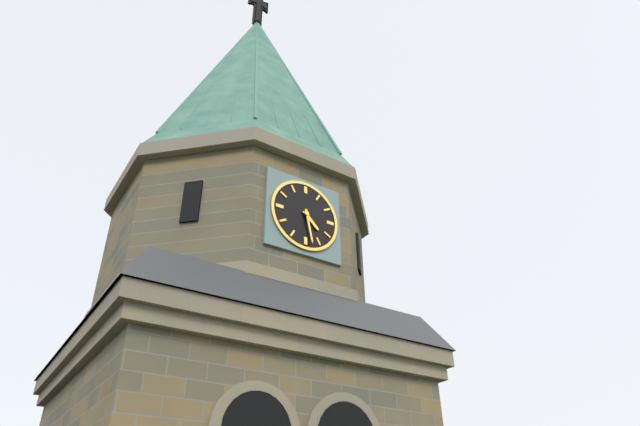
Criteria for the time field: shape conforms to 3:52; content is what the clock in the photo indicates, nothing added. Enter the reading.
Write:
4:28
